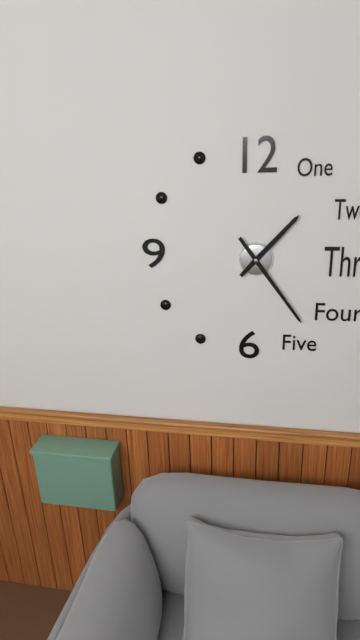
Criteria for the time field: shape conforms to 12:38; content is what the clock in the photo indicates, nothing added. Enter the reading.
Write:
1:24
